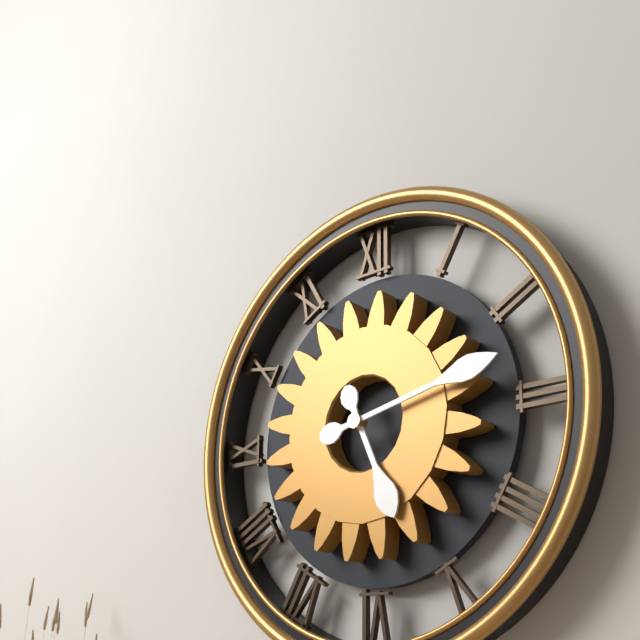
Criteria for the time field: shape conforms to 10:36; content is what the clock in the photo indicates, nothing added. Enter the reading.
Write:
5:13
